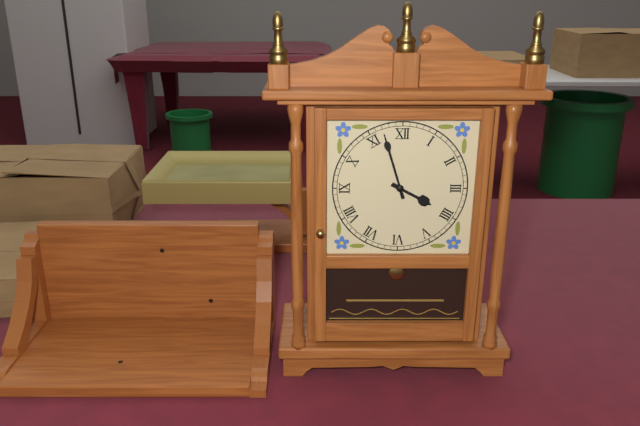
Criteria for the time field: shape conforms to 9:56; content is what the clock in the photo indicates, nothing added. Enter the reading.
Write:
3:57
